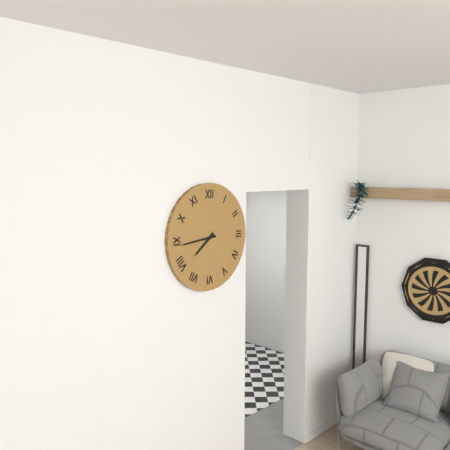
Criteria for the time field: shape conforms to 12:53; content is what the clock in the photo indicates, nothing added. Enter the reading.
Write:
7:44
